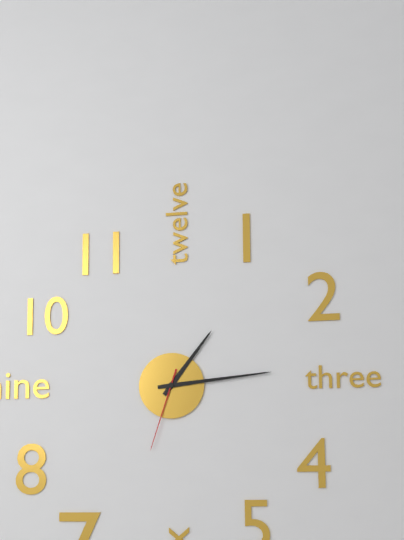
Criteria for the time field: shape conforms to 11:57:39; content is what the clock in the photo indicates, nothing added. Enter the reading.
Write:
1:14:33
